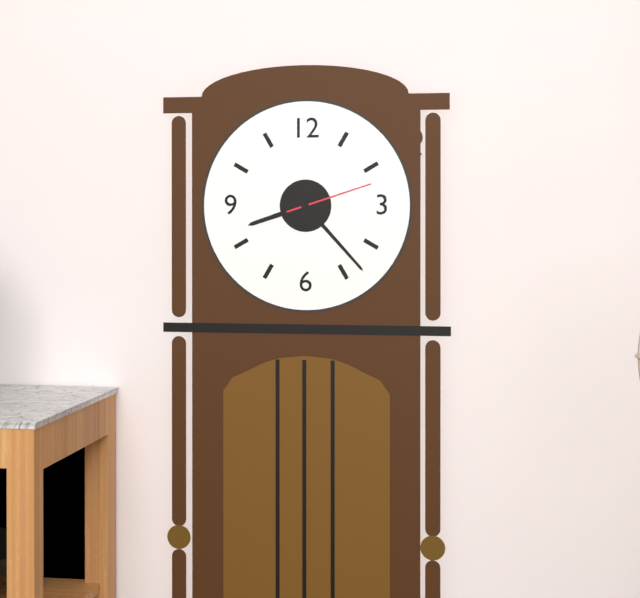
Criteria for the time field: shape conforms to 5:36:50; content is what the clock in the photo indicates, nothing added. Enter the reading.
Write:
8:23:12
